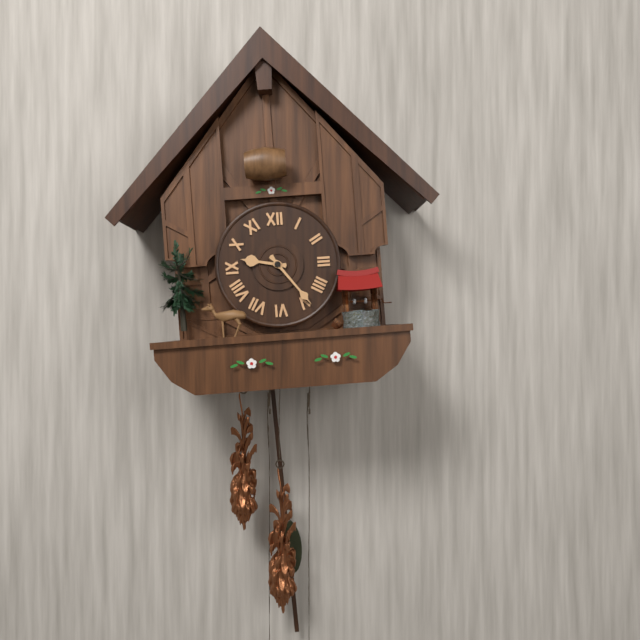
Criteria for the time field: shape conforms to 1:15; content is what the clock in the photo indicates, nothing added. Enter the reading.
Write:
9:24
